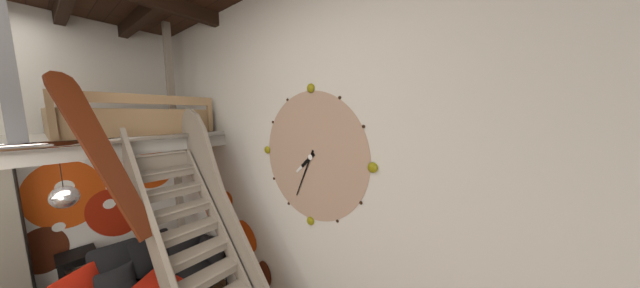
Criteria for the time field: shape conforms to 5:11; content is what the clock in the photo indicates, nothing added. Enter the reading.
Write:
7:34
